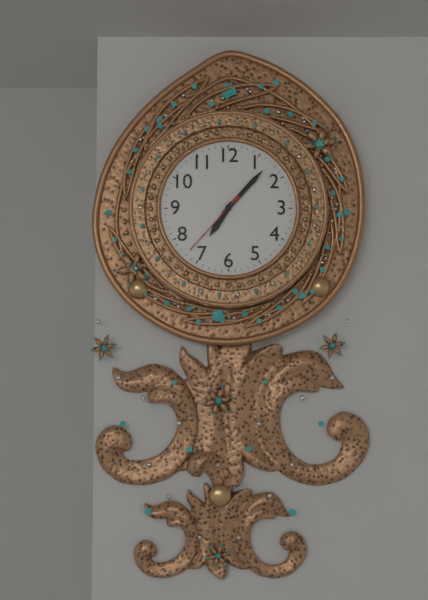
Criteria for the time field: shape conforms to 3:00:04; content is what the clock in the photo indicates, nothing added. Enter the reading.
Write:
7:07:37
